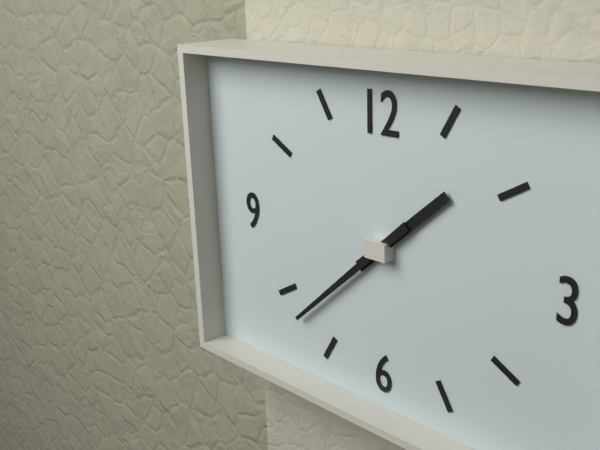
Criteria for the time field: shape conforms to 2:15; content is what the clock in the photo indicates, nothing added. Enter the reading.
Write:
1:38
